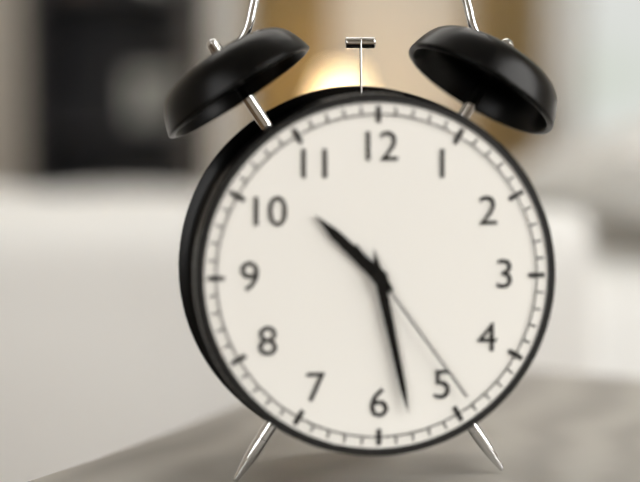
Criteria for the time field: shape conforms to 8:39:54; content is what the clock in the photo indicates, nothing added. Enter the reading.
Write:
10:28:24
